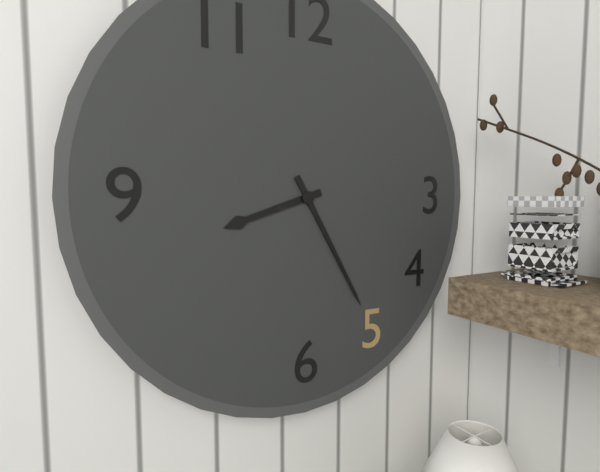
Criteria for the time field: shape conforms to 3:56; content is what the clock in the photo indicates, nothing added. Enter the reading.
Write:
8:25
